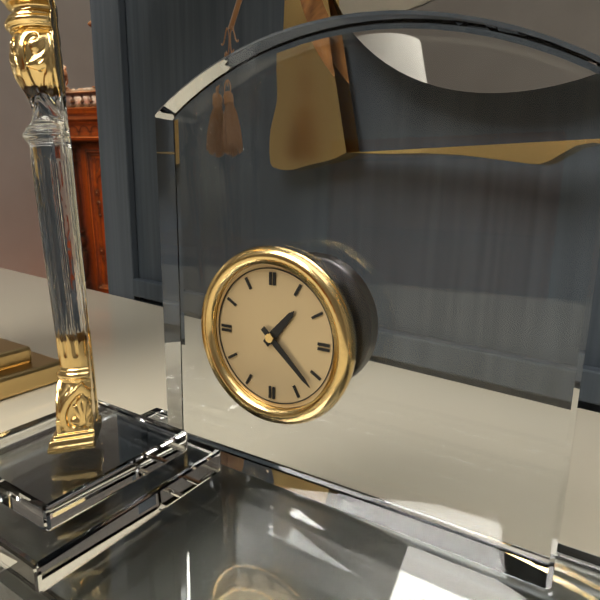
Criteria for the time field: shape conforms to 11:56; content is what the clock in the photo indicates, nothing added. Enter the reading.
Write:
1:22
